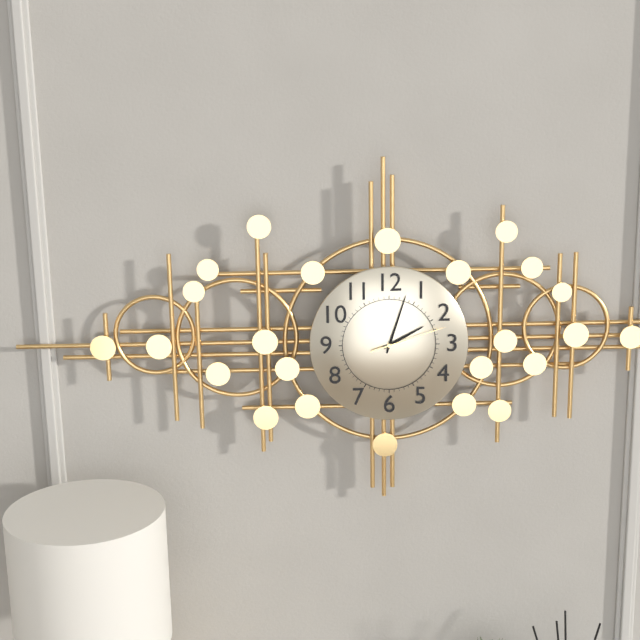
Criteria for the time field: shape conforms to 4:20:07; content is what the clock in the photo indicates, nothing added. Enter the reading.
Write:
2:03:12
